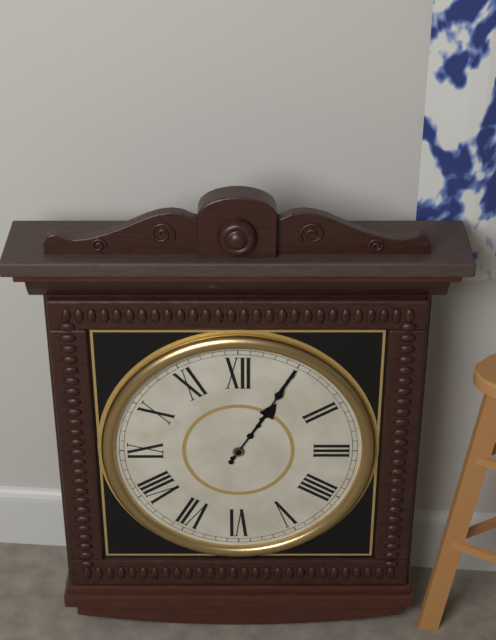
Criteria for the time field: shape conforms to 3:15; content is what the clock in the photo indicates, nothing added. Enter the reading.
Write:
1:05
